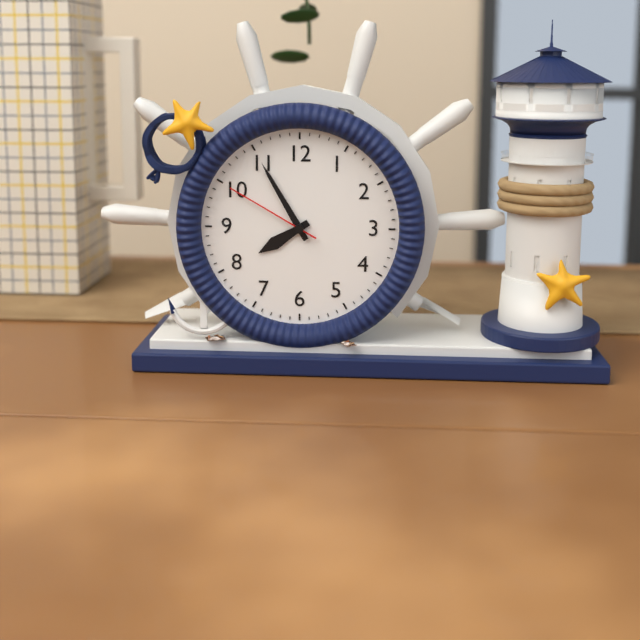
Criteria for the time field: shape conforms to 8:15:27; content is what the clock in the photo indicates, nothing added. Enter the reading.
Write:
7:55:50
